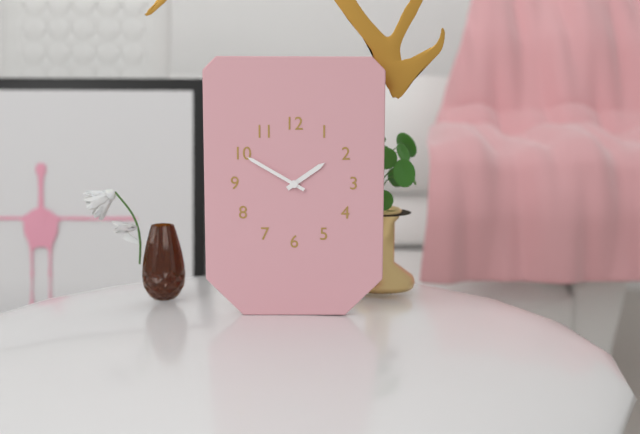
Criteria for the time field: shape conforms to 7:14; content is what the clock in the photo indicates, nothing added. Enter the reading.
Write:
1:50
